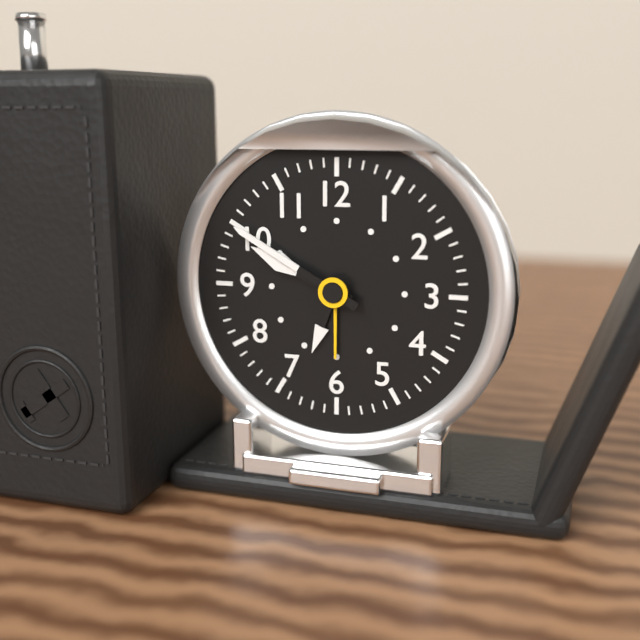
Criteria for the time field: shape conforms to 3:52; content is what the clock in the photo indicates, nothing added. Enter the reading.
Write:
9:50
